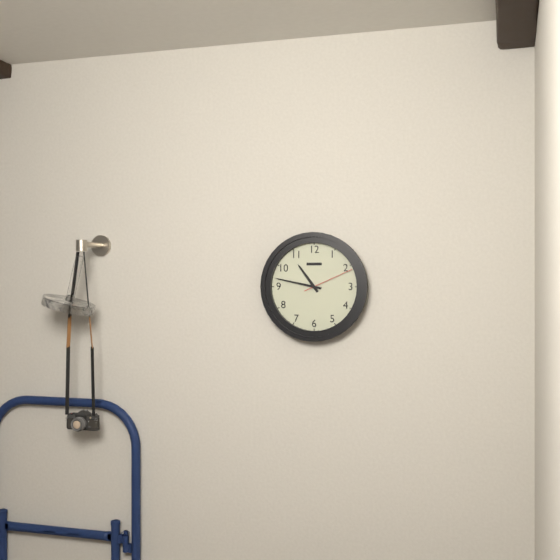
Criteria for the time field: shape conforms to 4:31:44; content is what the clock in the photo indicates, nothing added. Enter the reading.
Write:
10:47:11
